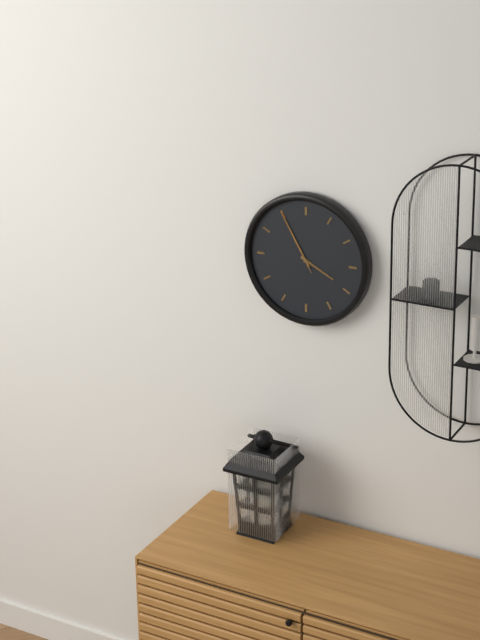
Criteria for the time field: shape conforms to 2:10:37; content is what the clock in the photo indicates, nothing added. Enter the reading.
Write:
3:55:55
